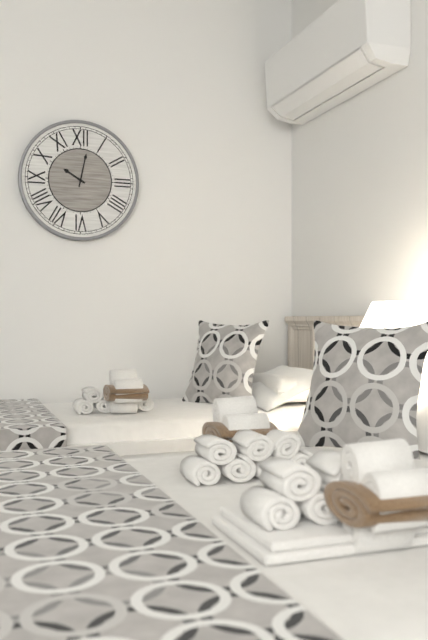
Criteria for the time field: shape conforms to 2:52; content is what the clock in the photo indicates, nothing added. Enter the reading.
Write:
10:02
